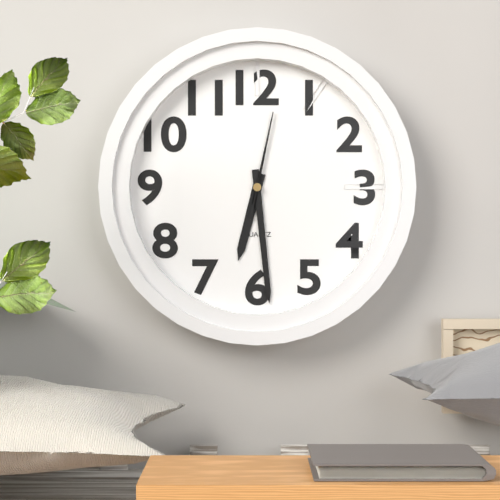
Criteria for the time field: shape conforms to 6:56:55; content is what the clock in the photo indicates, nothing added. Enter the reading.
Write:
6:29:02
